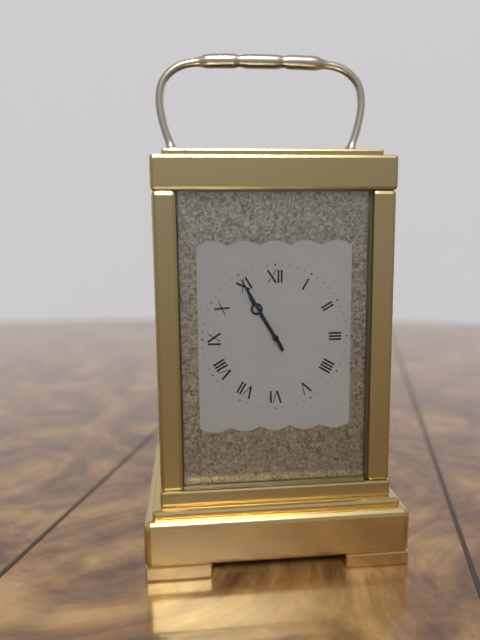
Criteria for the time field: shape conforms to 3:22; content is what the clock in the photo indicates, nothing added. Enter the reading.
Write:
10:55
